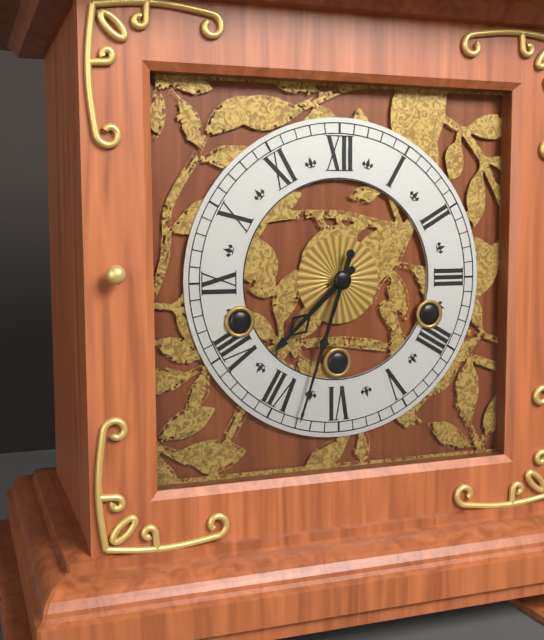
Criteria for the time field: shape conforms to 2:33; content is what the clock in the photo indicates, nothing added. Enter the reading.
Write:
7:33
